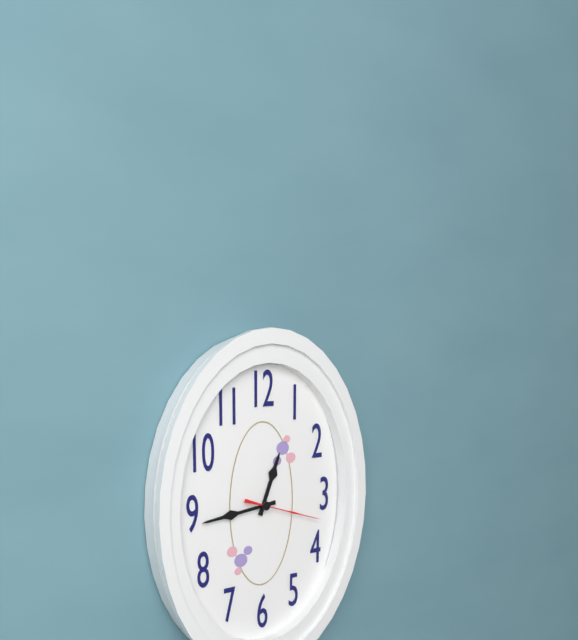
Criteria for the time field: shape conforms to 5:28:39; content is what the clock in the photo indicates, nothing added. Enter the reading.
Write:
12:44:18
